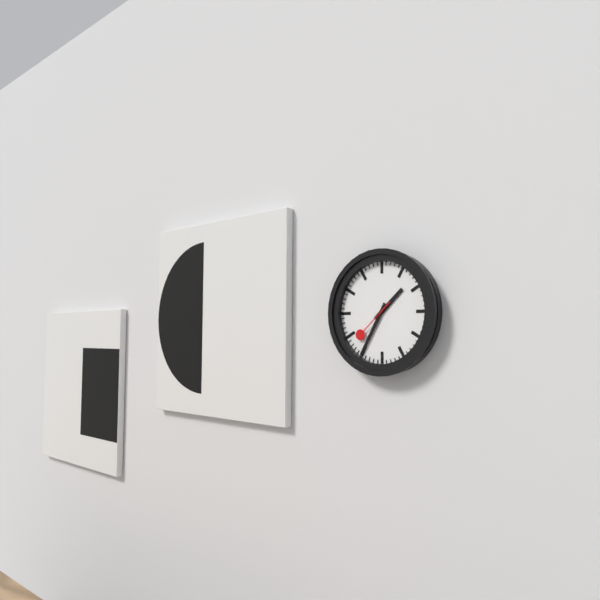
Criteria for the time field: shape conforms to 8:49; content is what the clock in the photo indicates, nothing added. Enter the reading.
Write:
1:35
